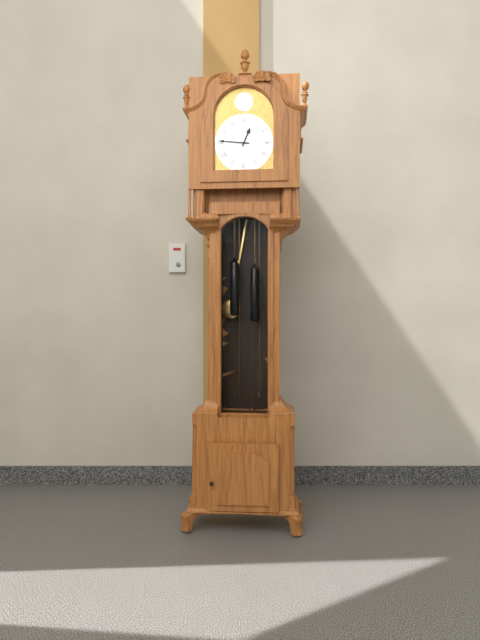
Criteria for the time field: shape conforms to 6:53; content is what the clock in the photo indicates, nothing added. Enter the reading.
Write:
12:46
